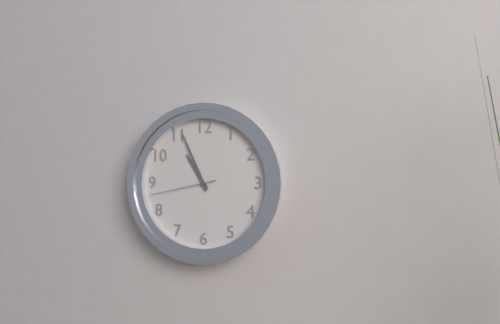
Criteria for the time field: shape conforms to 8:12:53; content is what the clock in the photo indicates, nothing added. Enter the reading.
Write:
10:56:43
